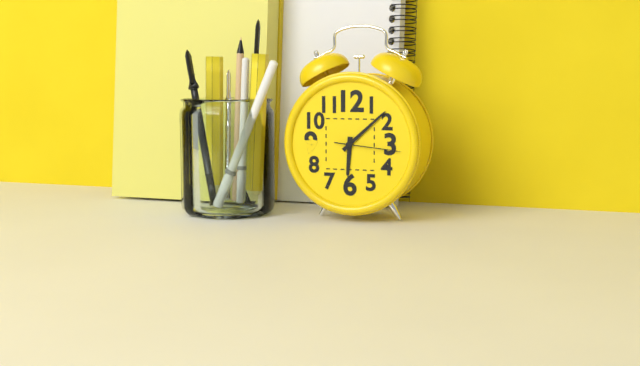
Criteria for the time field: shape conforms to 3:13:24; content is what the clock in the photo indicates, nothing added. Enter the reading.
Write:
6:08:16
